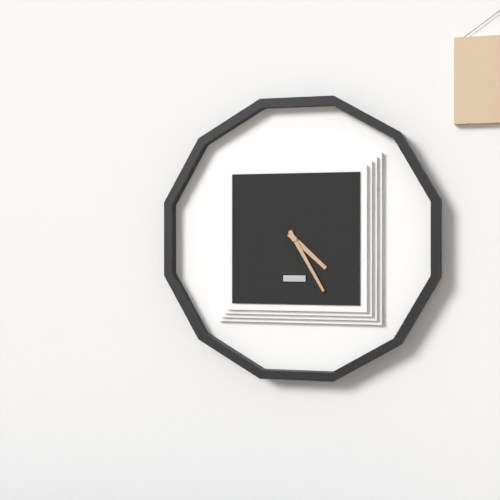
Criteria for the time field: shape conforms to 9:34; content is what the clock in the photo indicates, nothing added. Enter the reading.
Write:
4:25
